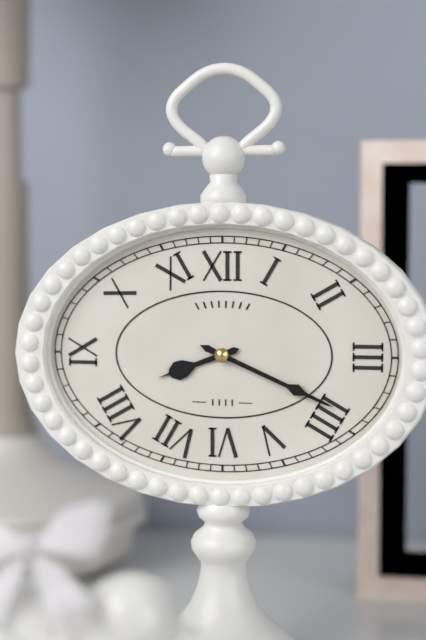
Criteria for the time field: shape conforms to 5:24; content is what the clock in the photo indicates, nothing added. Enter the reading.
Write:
8:19
